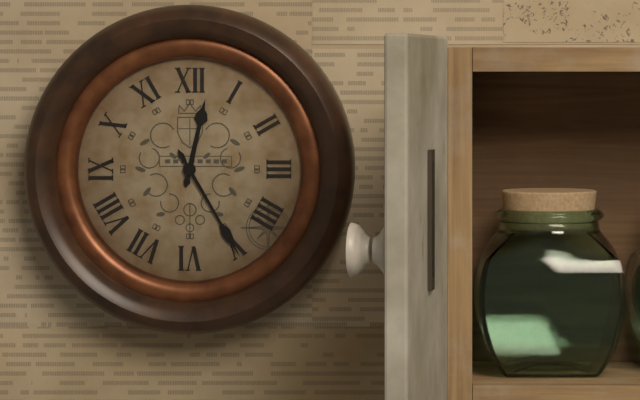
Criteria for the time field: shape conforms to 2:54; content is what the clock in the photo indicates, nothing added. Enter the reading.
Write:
12:25
